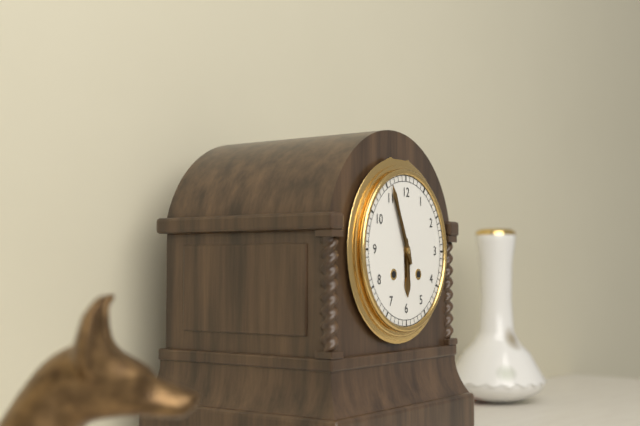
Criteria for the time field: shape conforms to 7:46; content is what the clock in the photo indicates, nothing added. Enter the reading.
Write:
5:56
